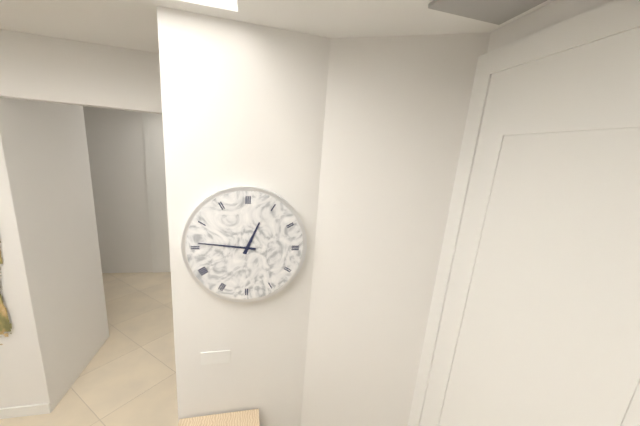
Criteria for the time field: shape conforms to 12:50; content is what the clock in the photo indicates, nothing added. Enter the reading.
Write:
12:46
